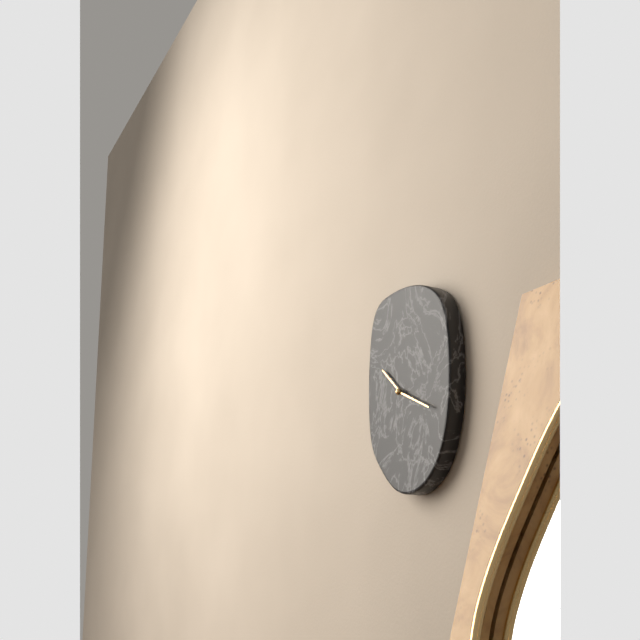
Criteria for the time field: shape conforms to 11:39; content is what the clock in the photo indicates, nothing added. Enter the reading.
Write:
10:19
